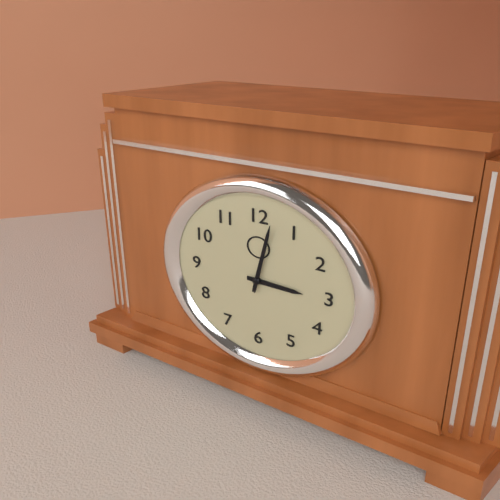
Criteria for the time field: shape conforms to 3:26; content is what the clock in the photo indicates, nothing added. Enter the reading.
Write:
3:02
